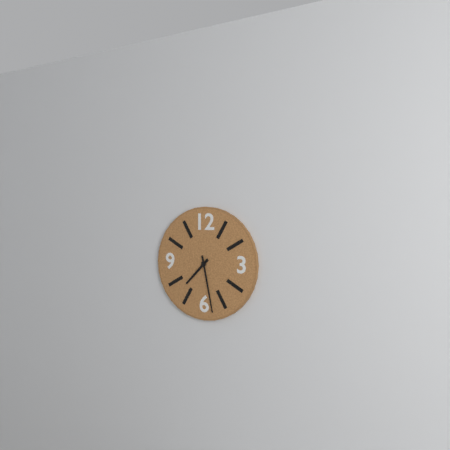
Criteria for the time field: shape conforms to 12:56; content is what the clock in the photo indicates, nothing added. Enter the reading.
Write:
7:28
